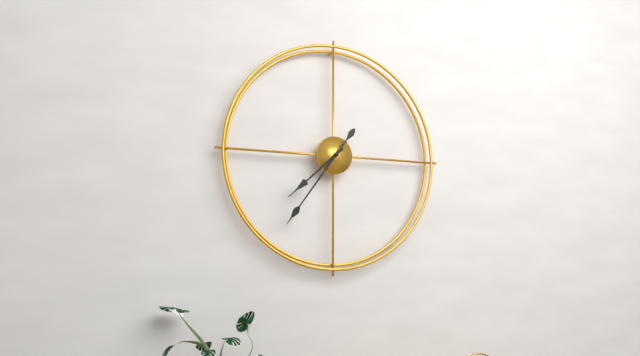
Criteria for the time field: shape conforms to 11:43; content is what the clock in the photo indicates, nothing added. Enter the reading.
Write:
7:36
